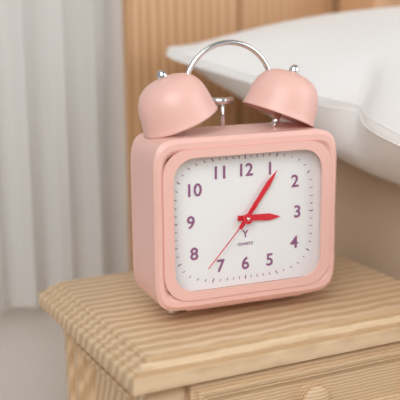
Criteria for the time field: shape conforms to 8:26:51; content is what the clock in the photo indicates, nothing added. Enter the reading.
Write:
3:06:37
